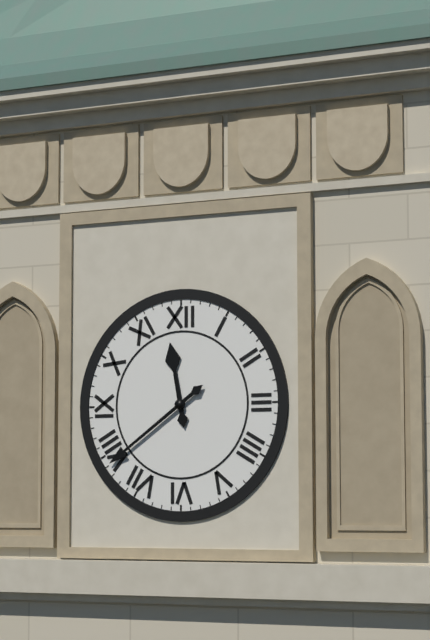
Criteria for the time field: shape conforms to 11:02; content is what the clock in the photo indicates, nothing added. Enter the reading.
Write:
11:39
